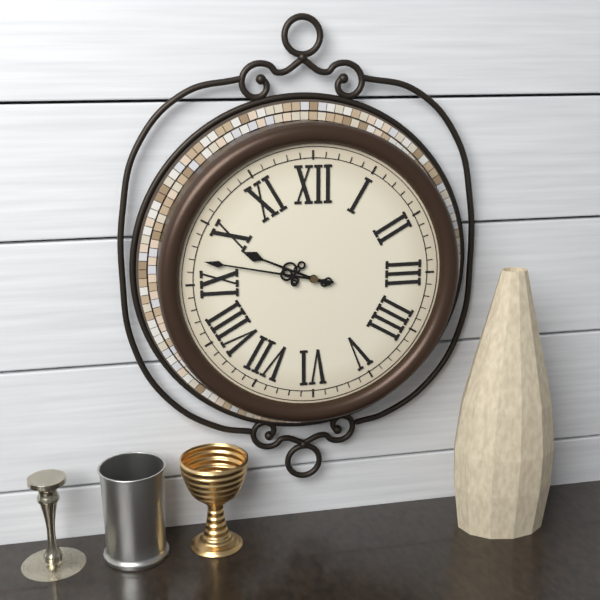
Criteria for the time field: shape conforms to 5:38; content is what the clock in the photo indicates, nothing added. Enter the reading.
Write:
9:47
